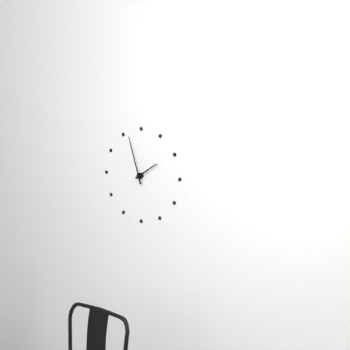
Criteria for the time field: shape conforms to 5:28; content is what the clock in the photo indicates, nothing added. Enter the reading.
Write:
1:57
